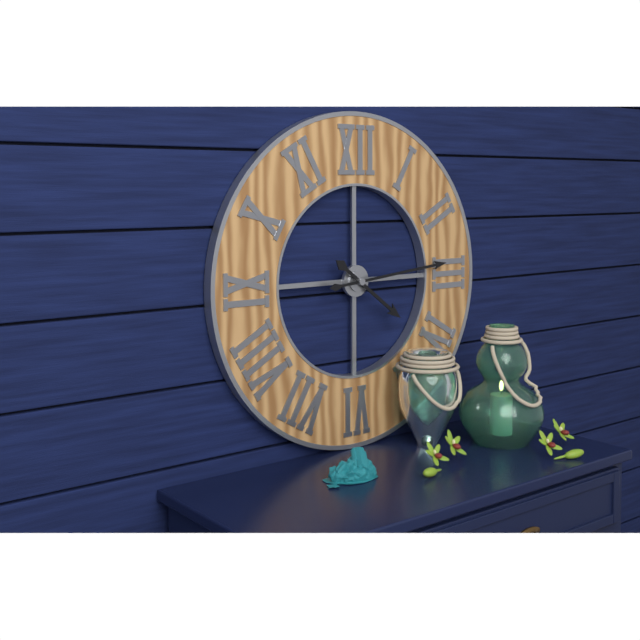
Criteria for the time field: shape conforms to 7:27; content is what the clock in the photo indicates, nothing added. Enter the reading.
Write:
4:14
